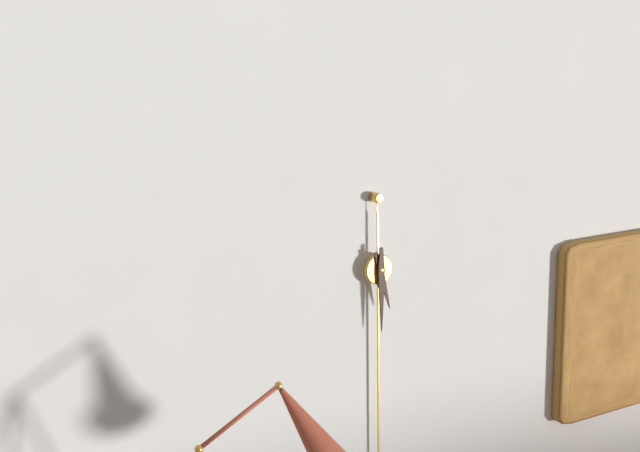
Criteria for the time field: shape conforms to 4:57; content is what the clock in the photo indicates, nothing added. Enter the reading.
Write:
5:30
